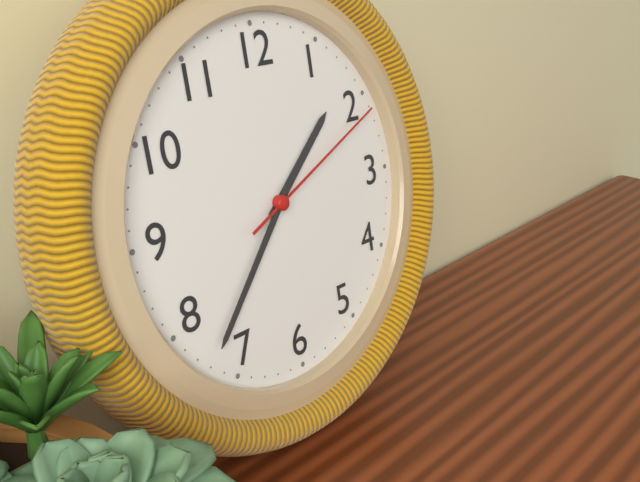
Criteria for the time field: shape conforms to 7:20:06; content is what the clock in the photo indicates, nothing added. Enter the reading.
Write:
1:37:11
